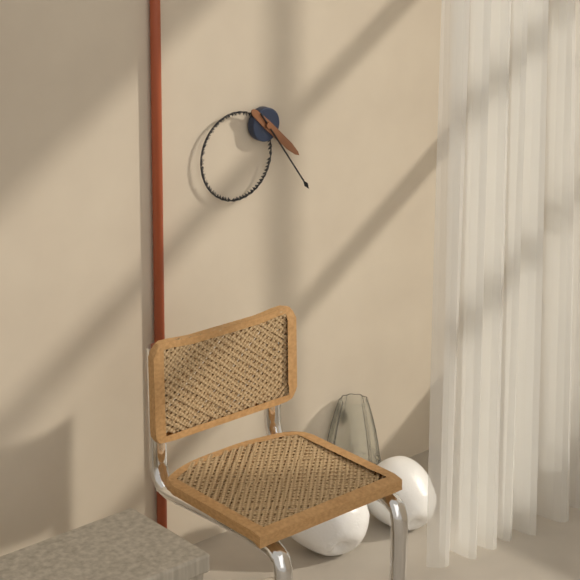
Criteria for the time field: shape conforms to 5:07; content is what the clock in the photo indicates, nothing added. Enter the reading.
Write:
4:24
